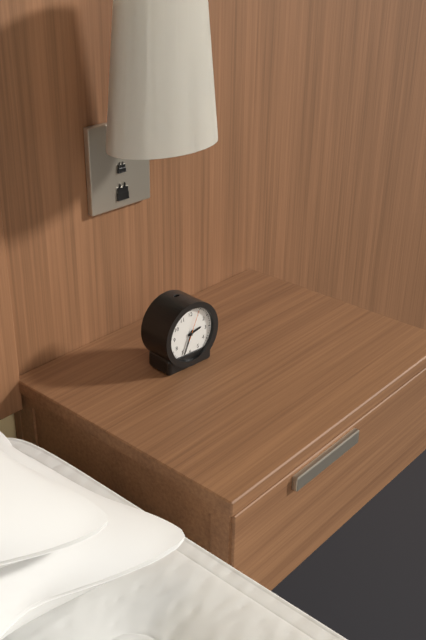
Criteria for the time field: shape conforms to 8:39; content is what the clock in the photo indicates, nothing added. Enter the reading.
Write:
2:34
